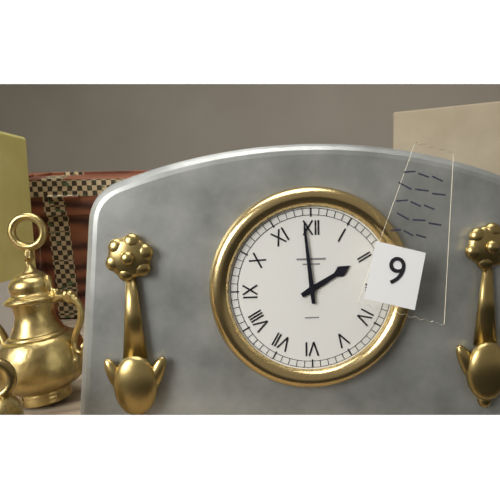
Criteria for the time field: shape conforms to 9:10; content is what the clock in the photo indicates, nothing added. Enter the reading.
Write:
1:59
